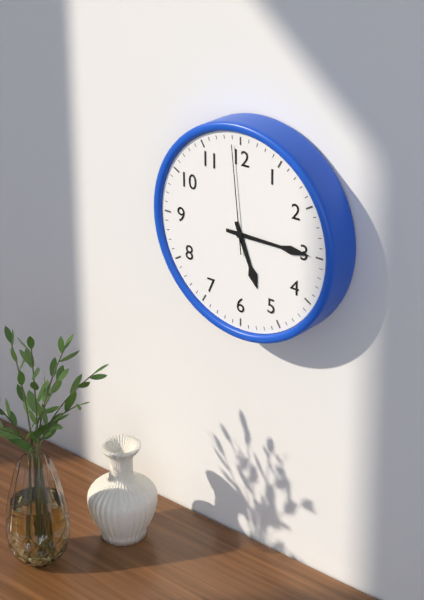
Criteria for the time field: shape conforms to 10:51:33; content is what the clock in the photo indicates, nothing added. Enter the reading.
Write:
5:15:59
